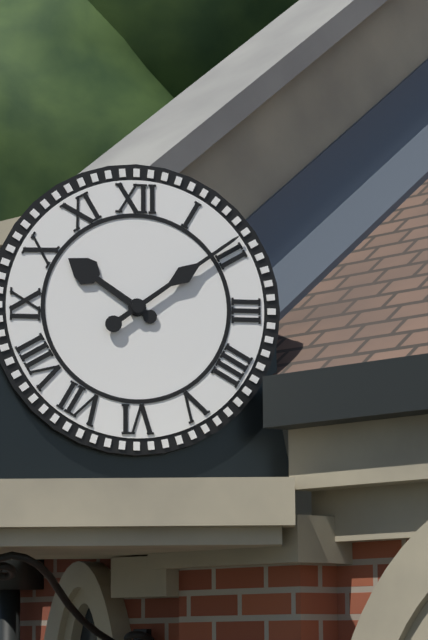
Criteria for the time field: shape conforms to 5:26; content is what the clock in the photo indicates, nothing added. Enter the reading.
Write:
10:09
